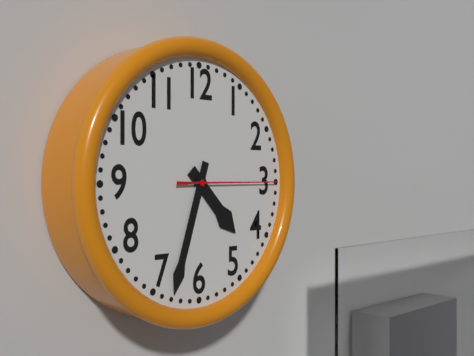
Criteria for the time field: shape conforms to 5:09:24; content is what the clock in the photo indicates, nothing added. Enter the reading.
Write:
4:33:15
